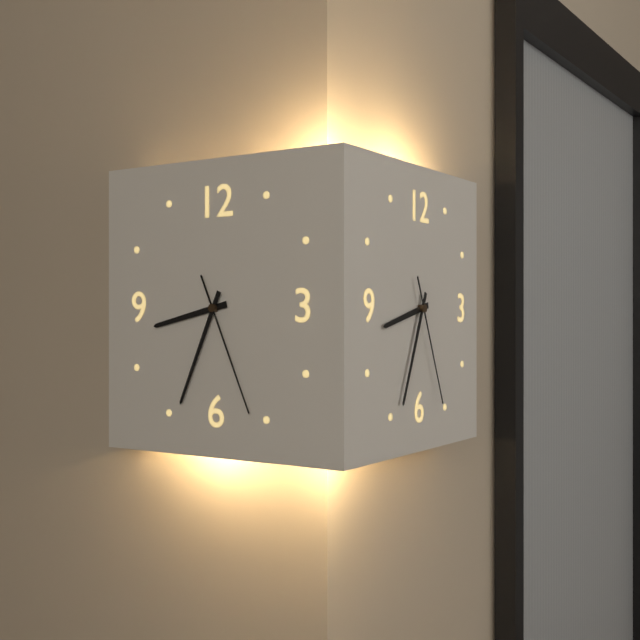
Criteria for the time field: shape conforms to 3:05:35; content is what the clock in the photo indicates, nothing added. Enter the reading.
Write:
8:34:26
